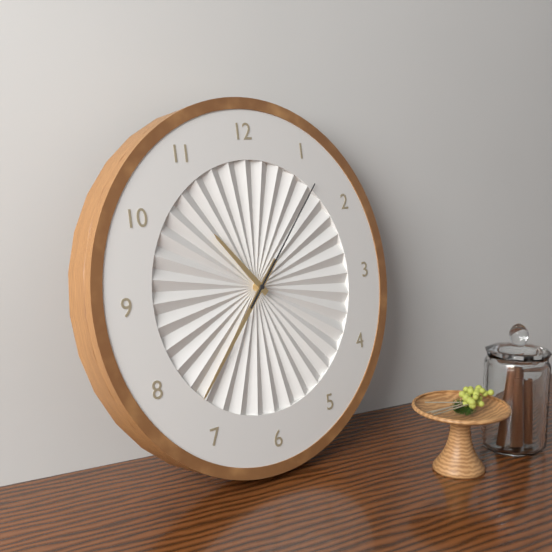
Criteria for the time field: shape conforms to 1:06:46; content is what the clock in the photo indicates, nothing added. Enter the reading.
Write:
10:37:07
